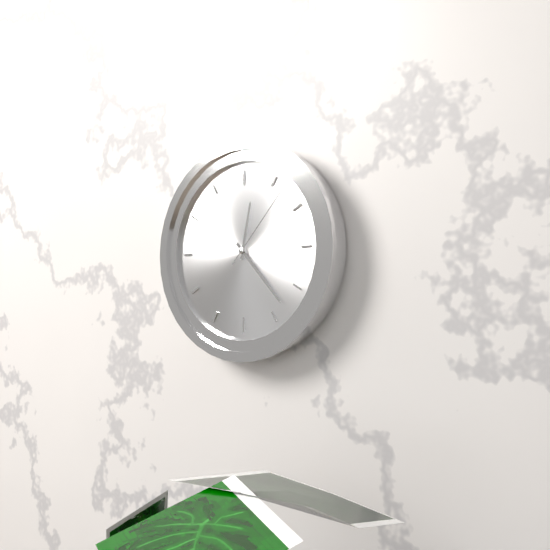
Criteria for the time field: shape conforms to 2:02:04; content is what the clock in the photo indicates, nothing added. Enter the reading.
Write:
12:23:07
